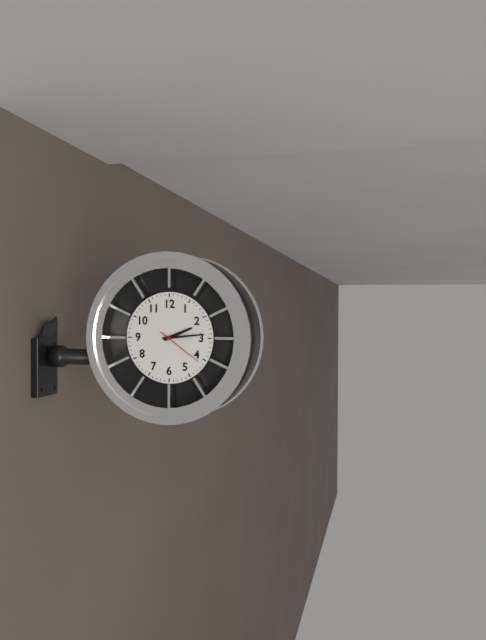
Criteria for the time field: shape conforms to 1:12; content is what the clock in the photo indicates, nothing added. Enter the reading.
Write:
2:14
